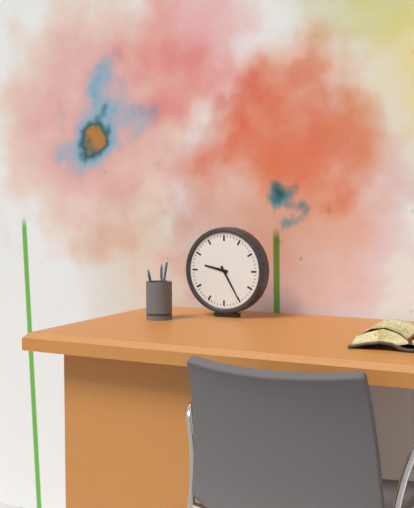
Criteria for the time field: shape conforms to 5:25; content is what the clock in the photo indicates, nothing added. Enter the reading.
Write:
9:25
